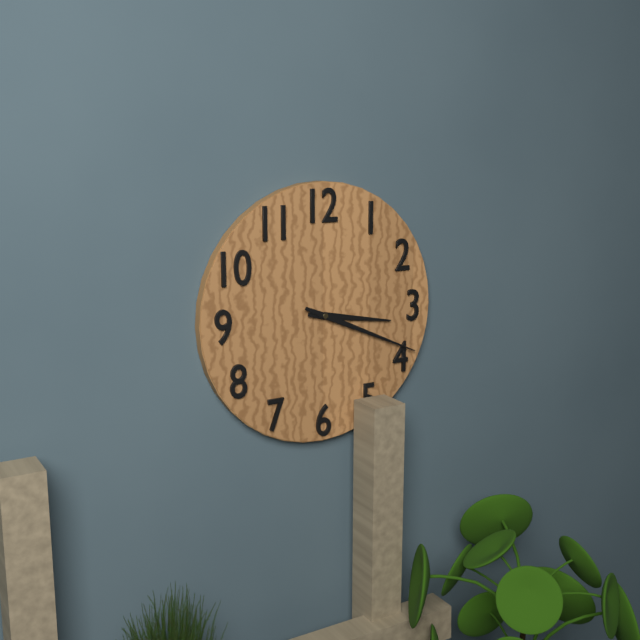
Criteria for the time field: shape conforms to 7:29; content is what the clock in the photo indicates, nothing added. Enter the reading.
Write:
3:19
